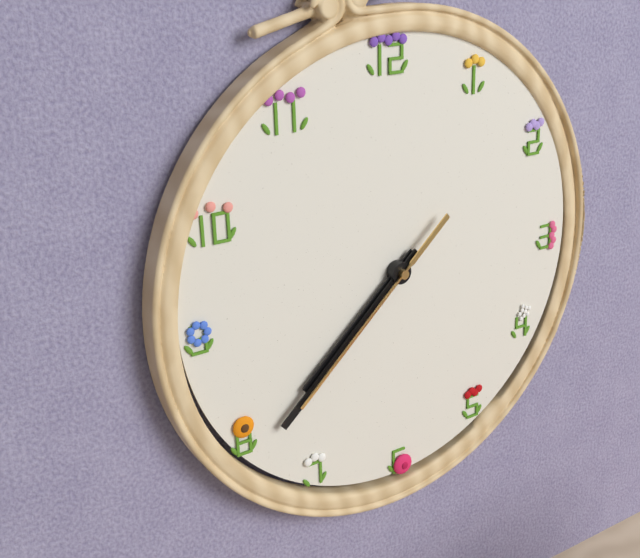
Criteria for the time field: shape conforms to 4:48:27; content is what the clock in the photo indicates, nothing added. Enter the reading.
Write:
7:38:38
